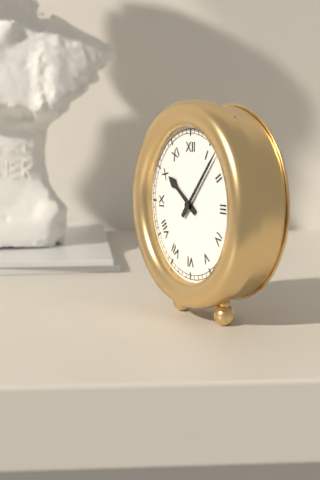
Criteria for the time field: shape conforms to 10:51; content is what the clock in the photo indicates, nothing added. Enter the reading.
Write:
10:07
